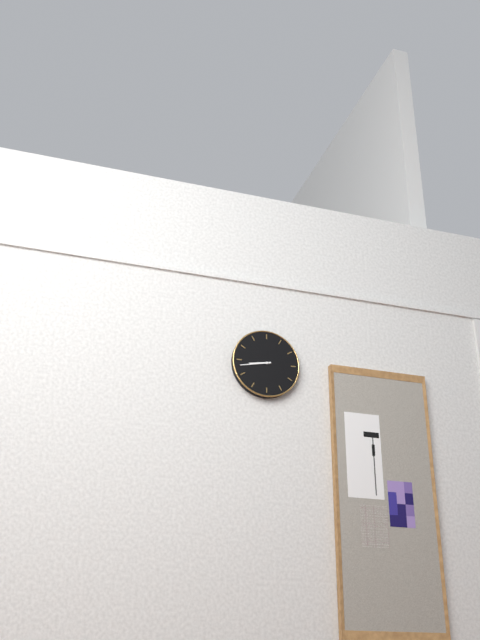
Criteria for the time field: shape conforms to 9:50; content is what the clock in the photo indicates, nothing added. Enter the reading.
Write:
8:43
